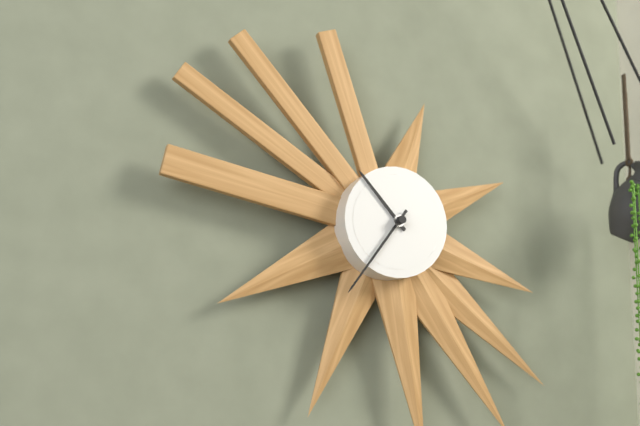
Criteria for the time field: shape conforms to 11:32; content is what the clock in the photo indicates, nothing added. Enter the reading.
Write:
10:36
